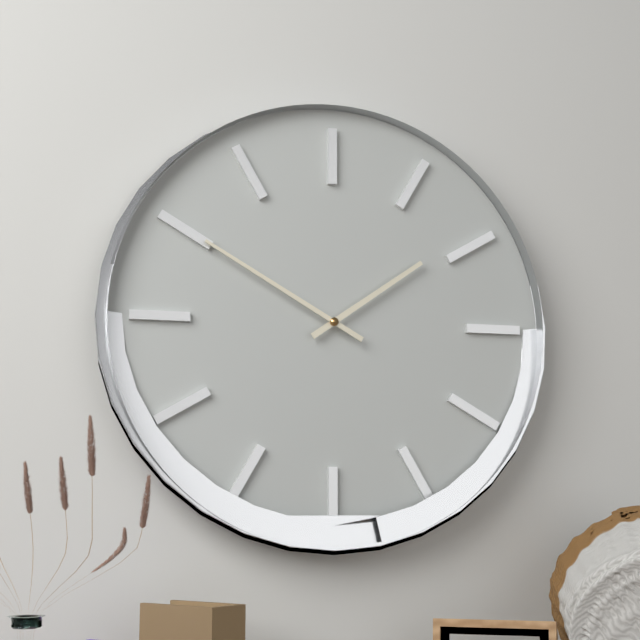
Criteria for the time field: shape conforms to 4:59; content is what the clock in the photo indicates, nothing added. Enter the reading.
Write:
1:50
